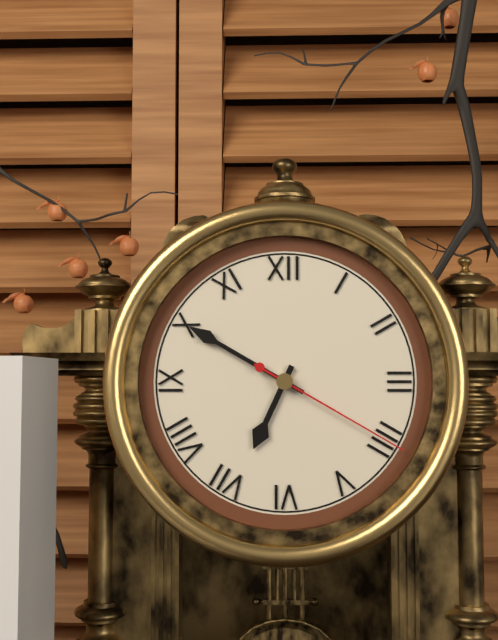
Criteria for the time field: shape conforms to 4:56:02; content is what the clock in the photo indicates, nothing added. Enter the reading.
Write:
6:50:20
